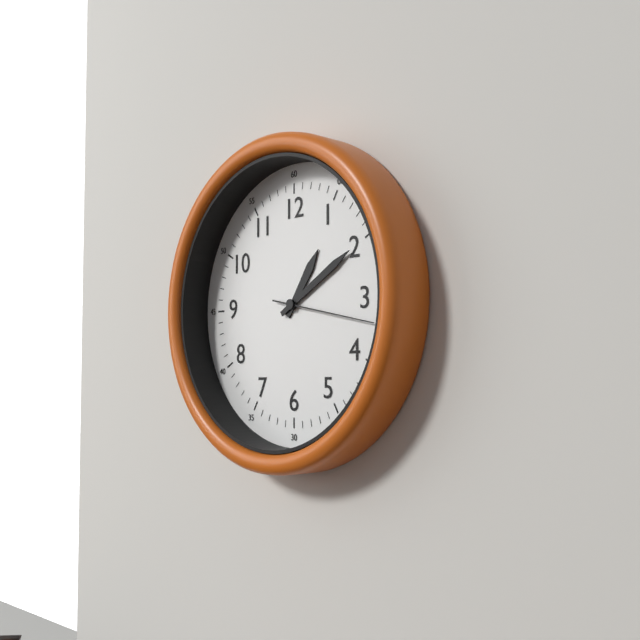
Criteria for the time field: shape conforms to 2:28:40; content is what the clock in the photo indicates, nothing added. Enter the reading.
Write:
1:10:17
